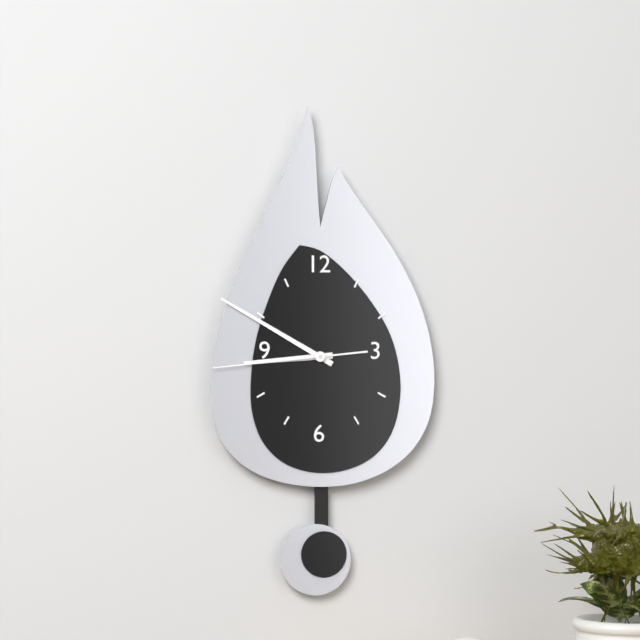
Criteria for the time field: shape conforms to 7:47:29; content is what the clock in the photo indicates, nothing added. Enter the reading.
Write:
8:50:44
